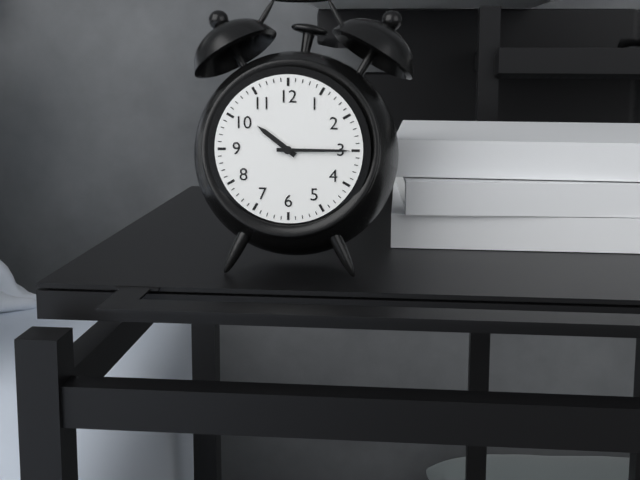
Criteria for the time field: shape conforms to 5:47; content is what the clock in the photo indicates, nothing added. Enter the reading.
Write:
10:15
